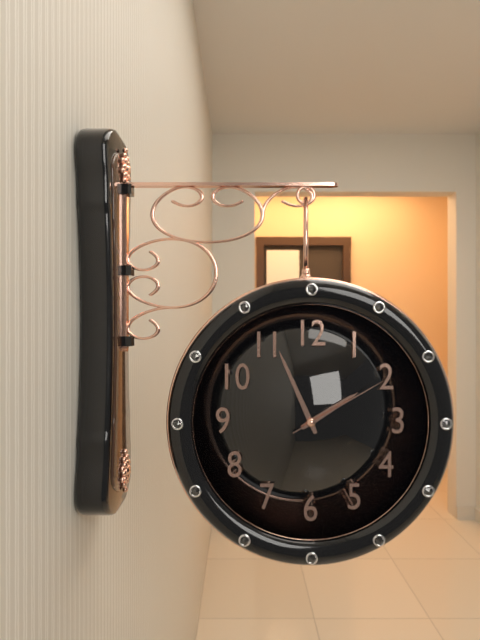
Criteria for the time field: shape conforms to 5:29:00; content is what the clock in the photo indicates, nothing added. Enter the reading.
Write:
1:56:10
